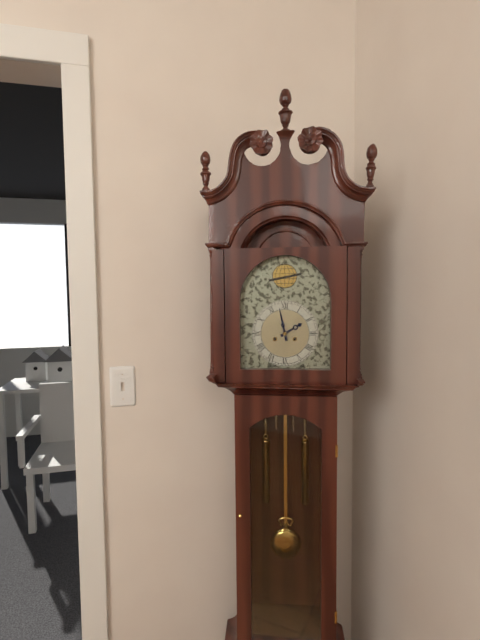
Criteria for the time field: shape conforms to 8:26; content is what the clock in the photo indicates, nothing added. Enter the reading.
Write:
1:58
